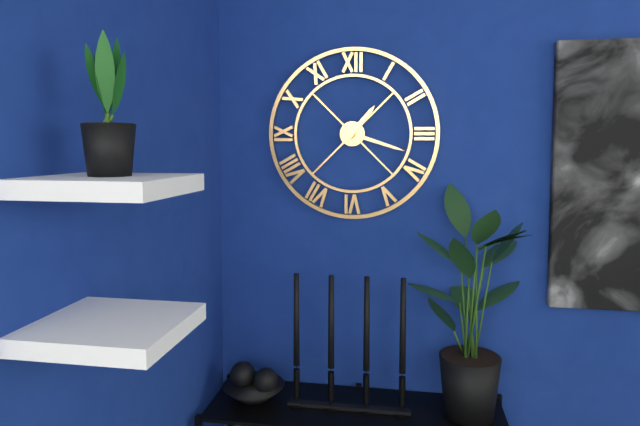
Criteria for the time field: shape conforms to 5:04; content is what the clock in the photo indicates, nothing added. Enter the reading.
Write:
1:18
